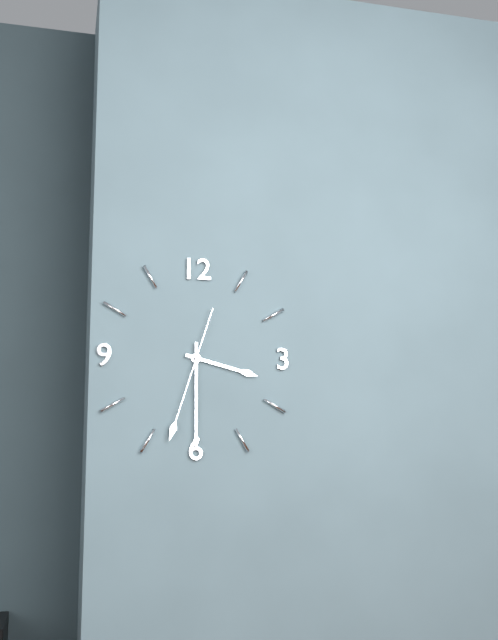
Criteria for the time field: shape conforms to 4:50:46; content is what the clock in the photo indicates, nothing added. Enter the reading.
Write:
3:30:33
